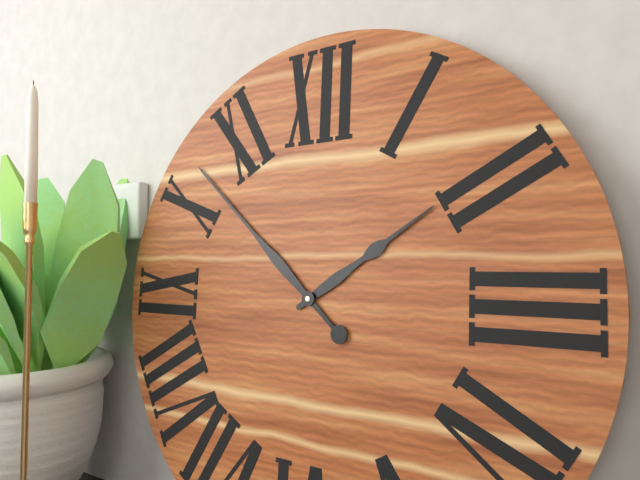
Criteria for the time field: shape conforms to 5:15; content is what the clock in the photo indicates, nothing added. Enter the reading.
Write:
1:52
